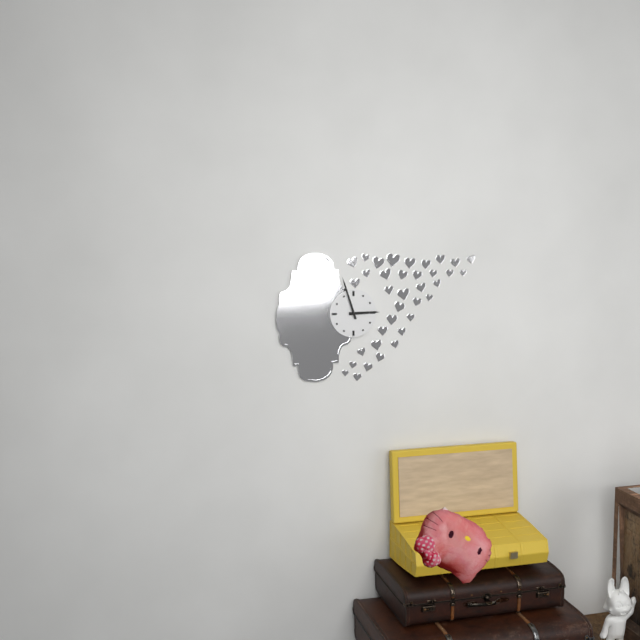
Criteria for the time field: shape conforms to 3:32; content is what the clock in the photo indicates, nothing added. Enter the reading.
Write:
2:57
